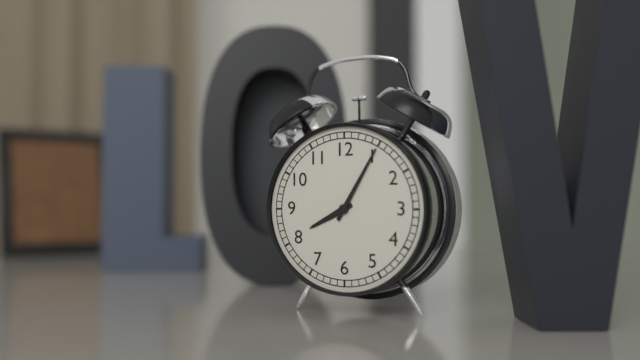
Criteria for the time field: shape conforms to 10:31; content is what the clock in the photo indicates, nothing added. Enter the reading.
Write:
8:05
